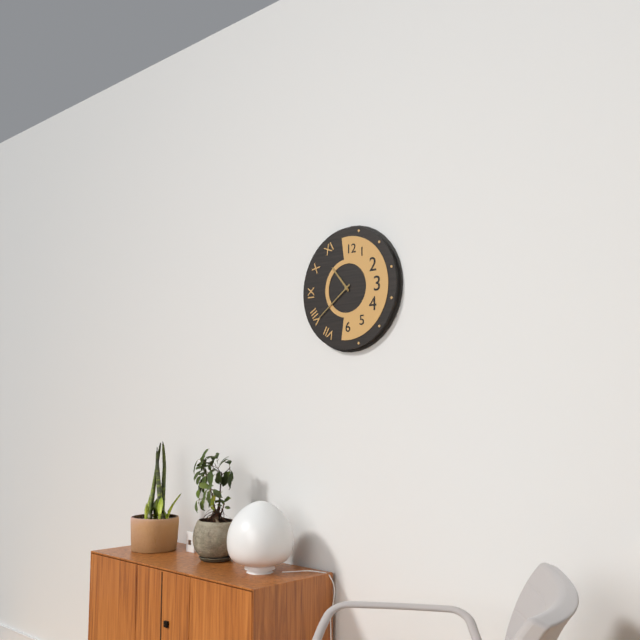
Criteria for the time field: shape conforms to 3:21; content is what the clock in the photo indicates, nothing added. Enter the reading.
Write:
10:39
